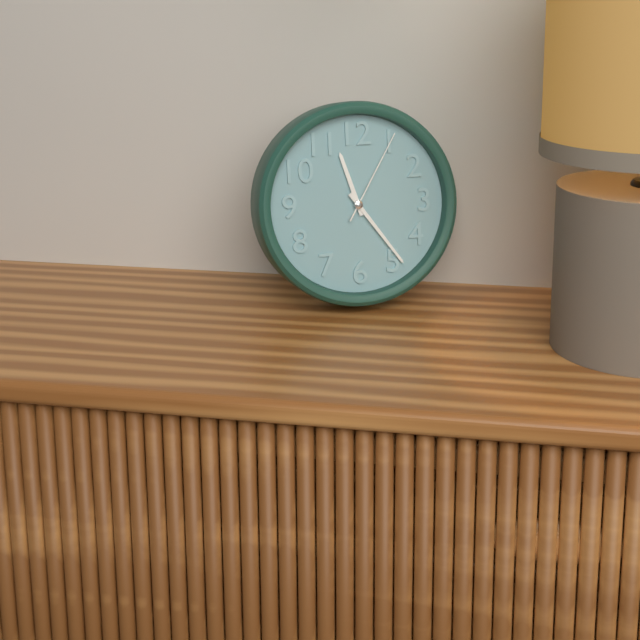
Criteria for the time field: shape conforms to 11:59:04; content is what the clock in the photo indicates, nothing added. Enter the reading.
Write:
11:24:05
